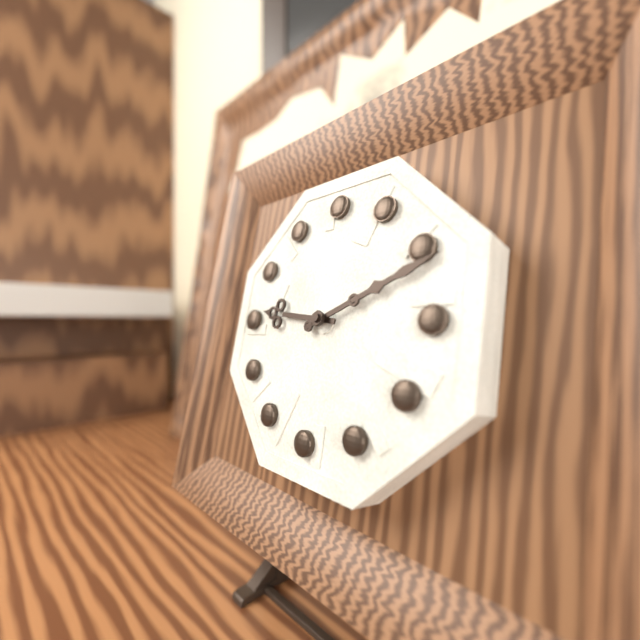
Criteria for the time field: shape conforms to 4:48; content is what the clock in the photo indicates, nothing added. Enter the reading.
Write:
9:11
